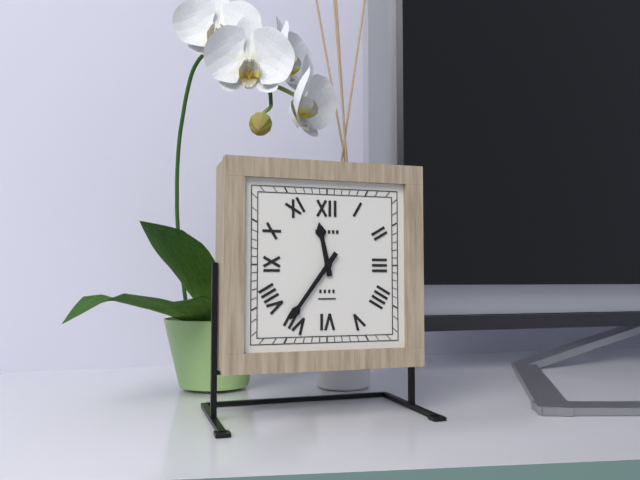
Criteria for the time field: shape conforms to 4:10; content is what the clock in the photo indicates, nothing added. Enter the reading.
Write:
11:36
